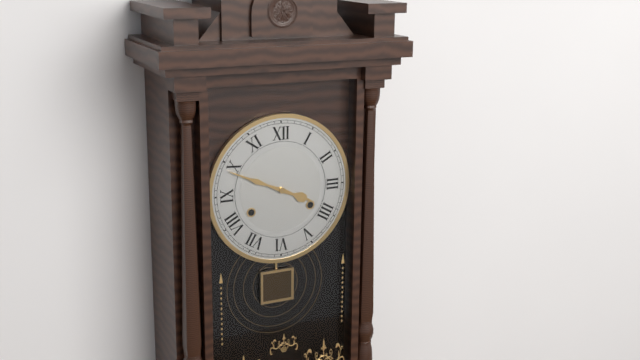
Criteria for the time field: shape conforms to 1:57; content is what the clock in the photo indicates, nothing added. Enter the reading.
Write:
3:49
